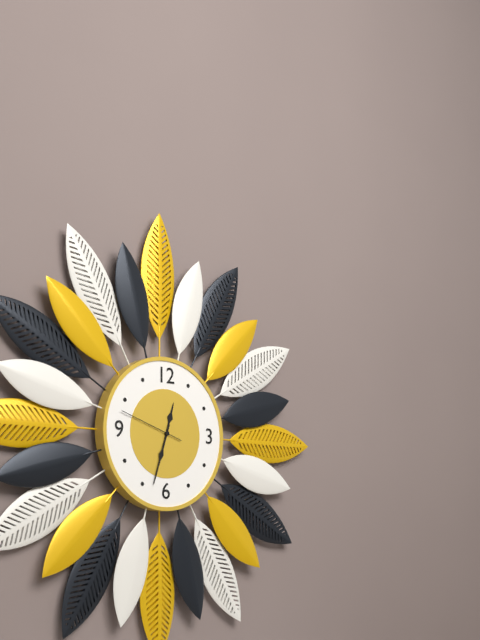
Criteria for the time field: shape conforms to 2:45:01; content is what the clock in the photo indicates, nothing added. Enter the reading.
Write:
12:33:48
